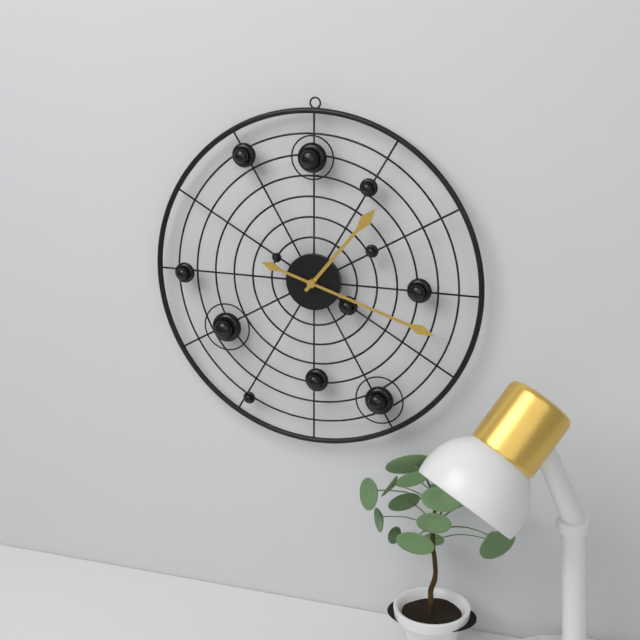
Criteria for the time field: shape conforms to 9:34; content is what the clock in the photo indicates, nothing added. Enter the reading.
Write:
1:18
